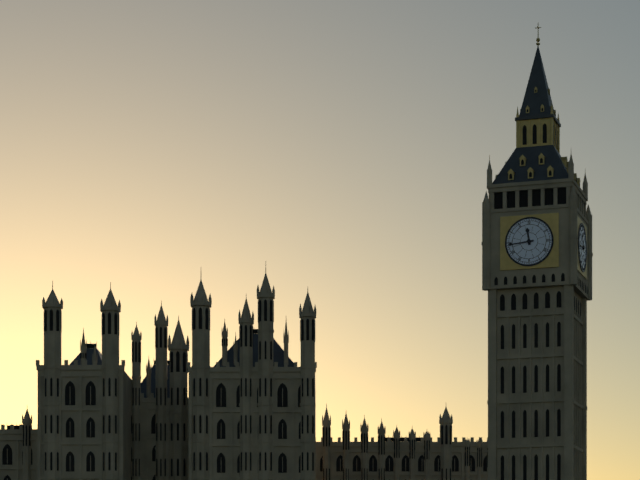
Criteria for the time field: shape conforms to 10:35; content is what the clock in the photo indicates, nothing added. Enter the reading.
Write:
11:44
